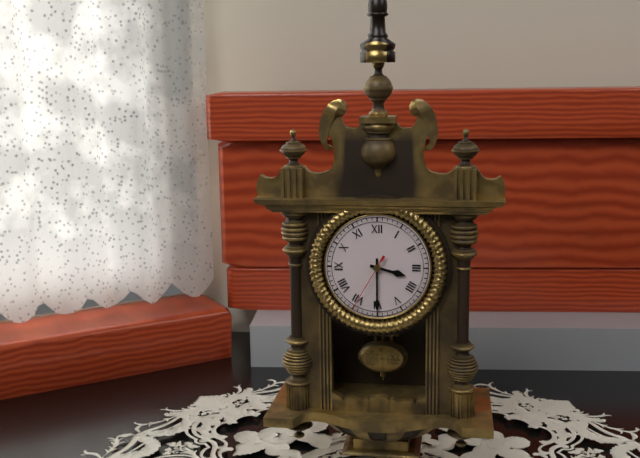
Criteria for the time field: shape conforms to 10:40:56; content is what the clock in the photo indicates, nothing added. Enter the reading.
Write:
3:30:35
